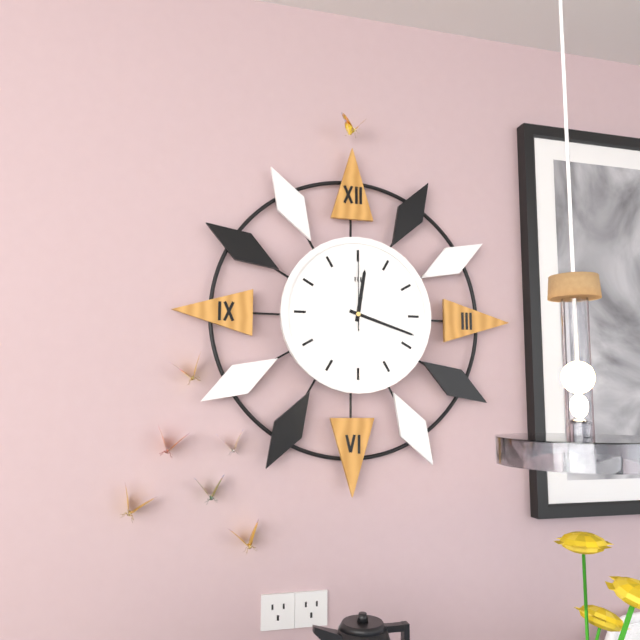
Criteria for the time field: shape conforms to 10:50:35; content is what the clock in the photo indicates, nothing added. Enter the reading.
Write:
12:18:00
